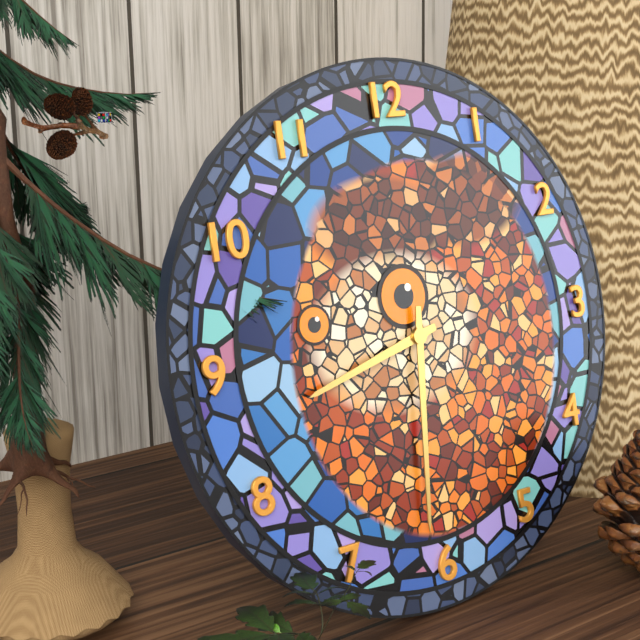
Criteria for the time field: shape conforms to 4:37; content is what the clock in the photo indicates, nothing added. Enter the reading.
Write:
8:31
